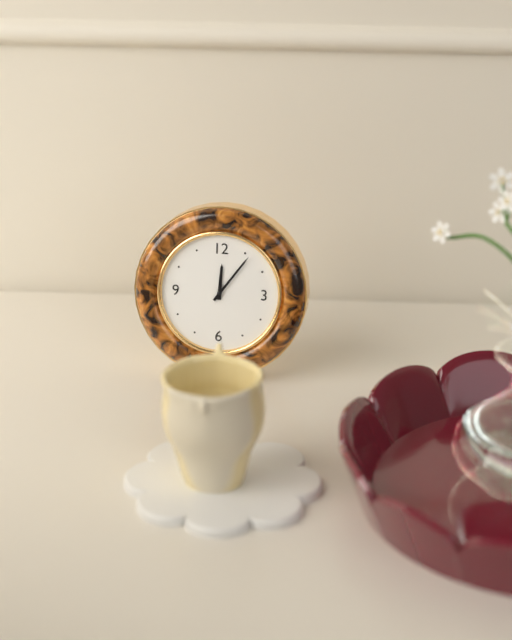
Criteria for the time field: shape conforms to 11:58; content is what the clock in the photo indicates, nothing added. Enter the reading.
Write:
12:06
